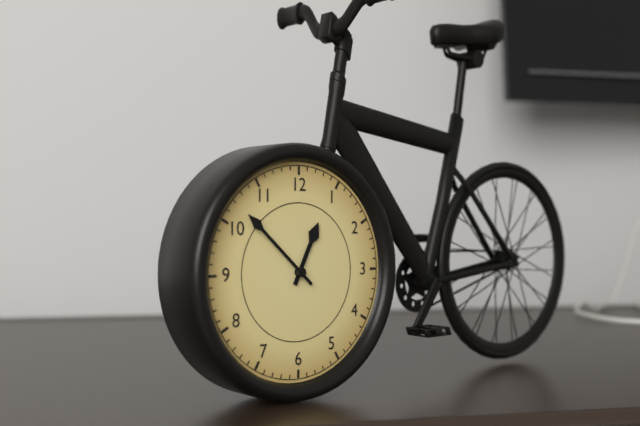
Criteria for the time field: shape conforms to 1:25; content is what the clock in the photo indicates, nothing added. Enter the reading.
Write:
12:52
